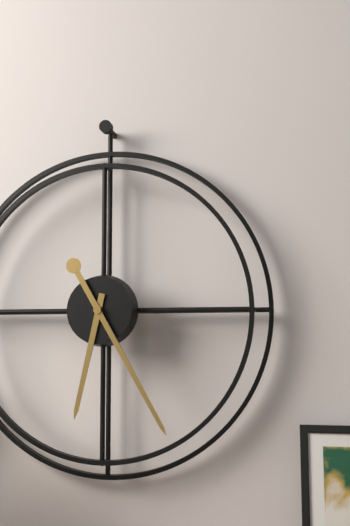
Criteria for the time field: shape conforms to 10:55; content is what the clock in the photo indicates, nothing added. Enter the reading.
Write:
6:25
